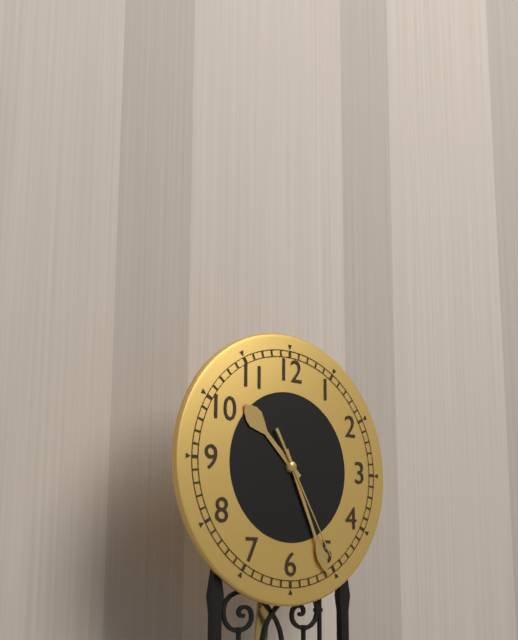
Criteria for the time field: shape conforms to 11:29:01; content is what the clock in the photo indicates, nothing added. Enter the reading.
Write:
10:26:25
